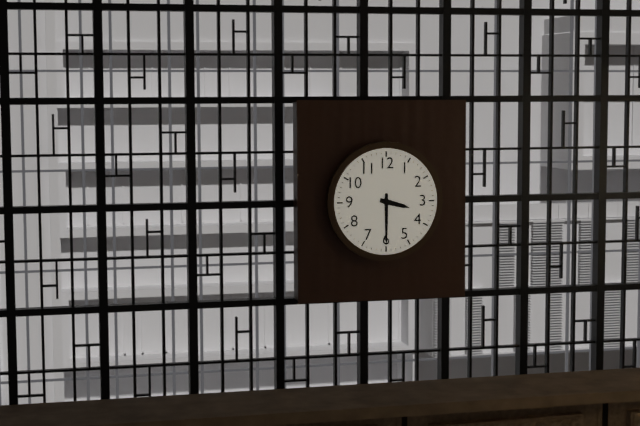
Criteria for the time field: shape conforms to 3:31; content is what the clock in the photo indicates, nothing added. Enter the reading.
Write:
3:30
